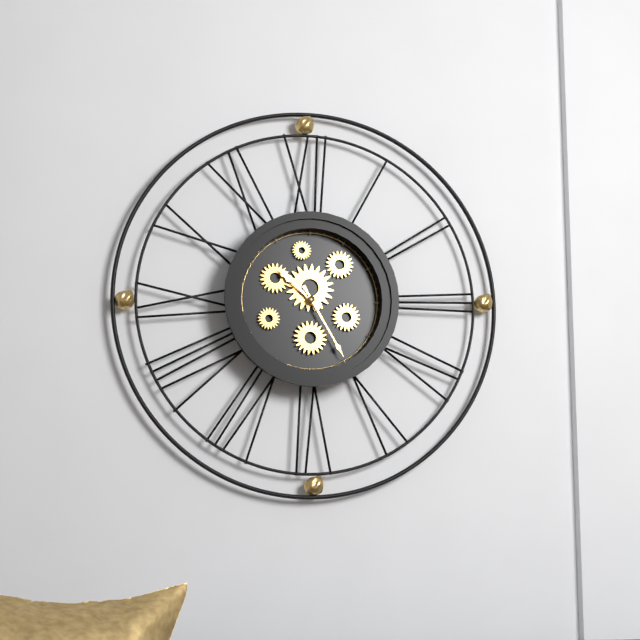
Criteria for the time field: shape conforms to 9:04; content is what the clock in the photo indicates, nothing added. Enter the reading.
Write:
10:25
